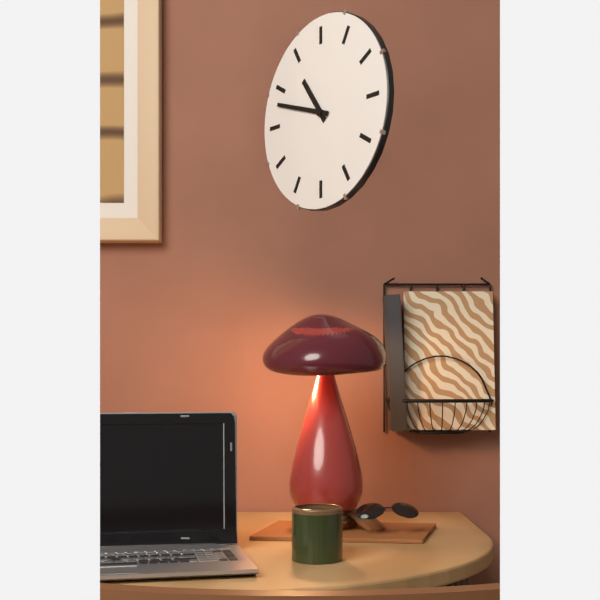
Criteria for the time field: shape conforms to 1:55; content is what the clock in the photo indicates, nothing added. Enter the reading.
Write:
10:48
